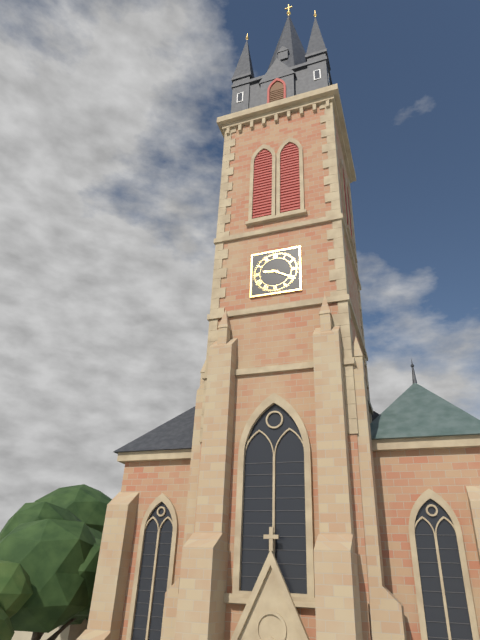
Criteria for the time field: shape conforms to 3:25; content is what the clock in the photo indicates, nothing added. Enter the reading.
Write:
9:20
